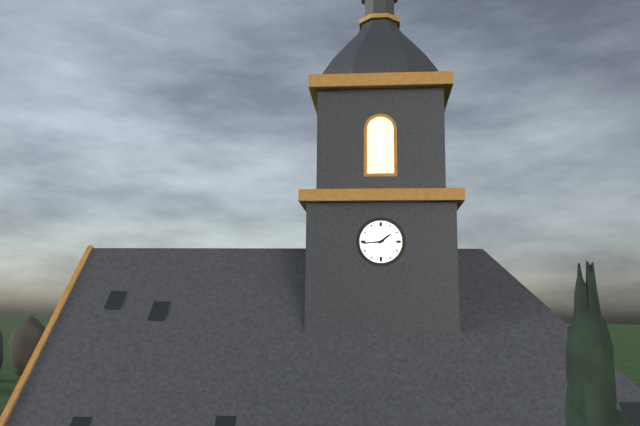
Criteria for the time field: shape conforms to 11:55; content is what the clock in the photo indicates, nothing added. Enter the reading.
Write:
1:44
